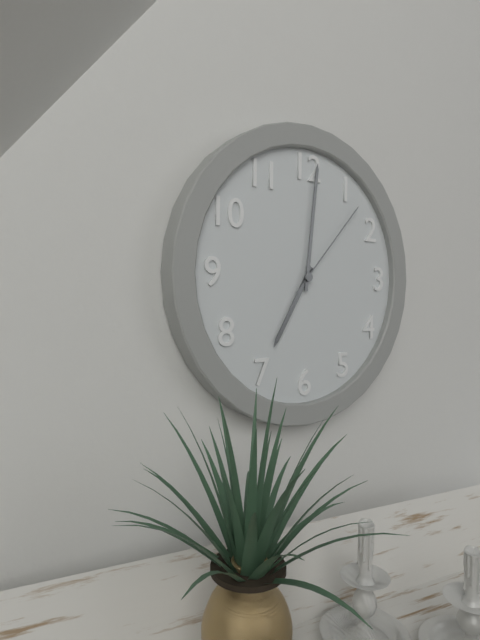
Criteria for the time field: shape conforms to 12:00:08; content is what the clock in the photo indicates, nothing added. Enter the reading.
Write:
7:01:07
